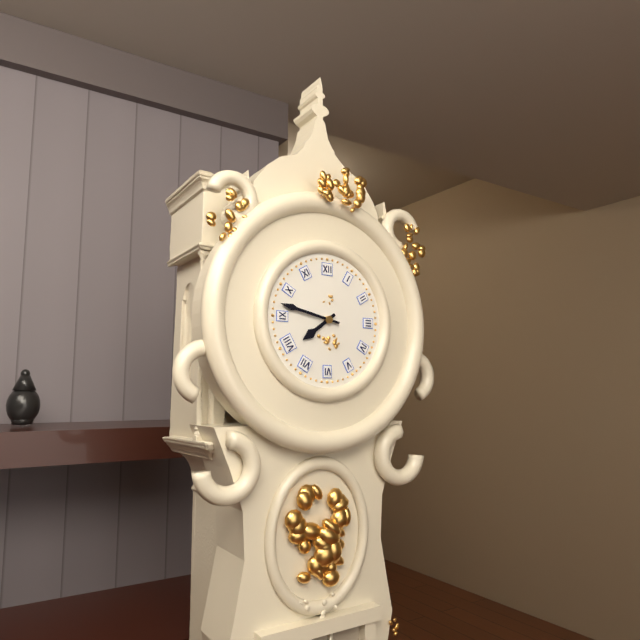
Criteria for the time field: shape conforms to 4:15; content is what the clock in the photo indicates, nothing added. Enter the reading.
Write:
7:47
